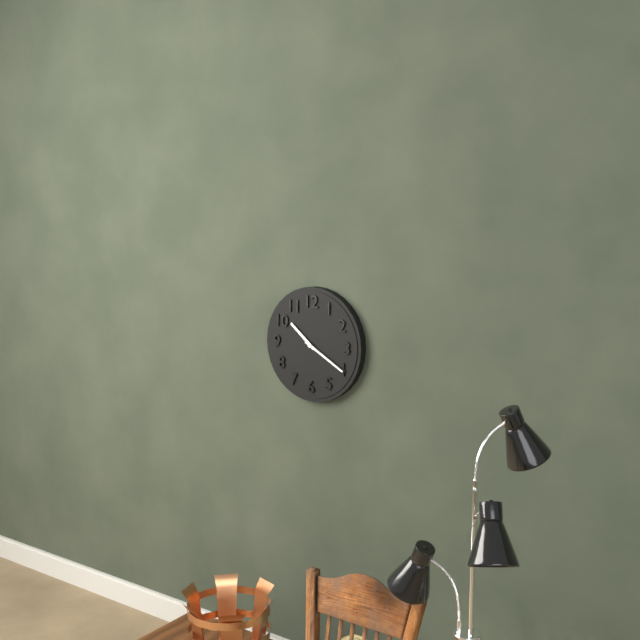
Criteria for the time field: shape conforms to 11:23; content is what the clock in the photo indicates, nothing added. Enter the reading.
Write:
10:20
